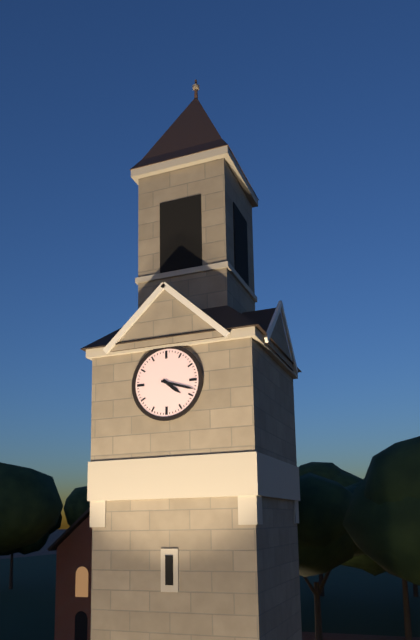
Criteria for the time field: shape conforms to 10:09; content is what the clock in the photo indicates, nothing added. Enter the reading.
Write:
4:18
